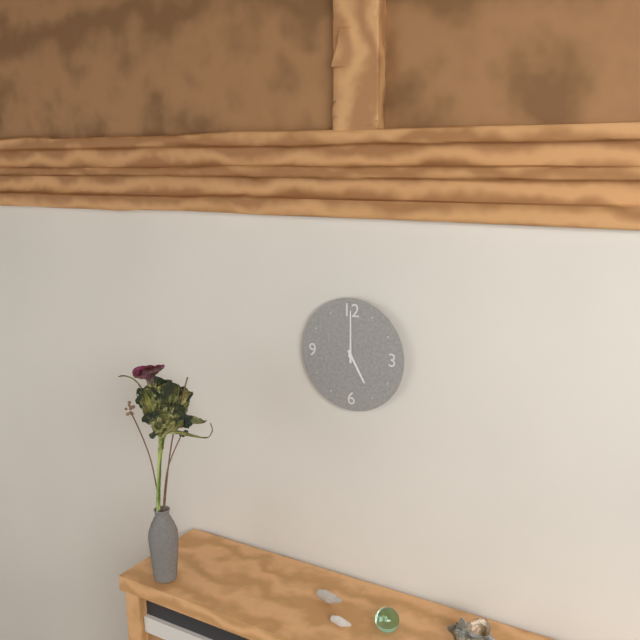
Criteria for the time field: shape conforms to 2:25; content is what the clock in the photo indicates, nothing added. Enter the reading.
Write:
5:00
